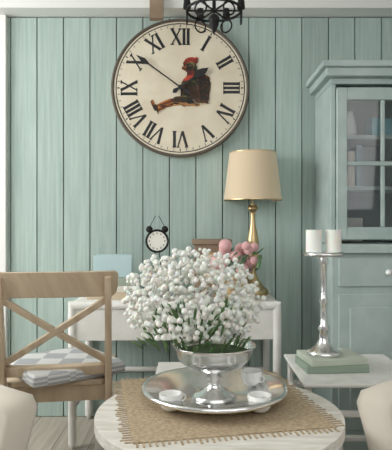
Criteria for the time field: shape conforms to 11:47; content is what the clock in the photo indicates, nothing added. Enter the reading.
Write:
1:51
